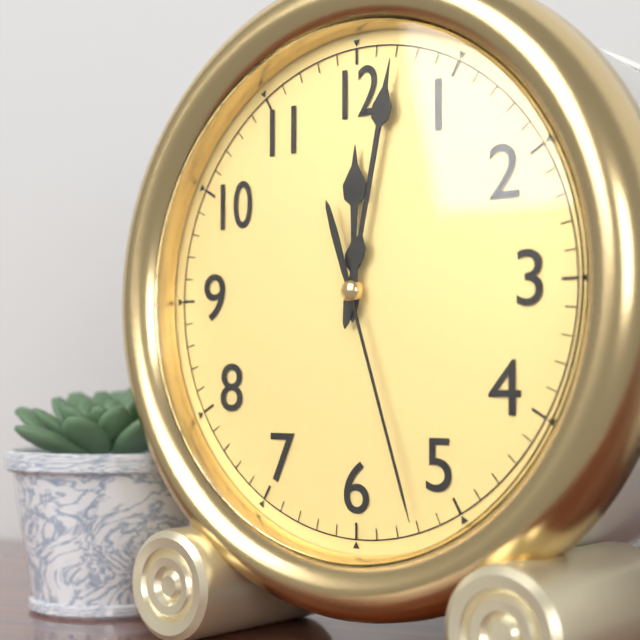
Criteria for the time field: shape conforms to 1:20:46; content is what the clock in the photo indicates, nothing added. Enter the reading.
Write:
12:02:27
